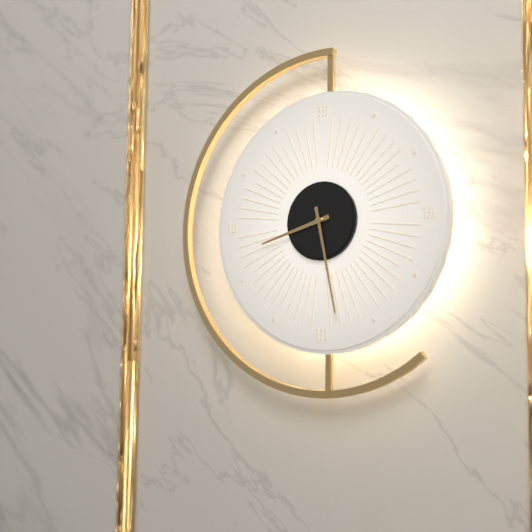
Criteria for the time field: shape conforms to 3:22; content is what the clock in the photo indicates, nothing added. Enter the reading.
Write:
8:28
